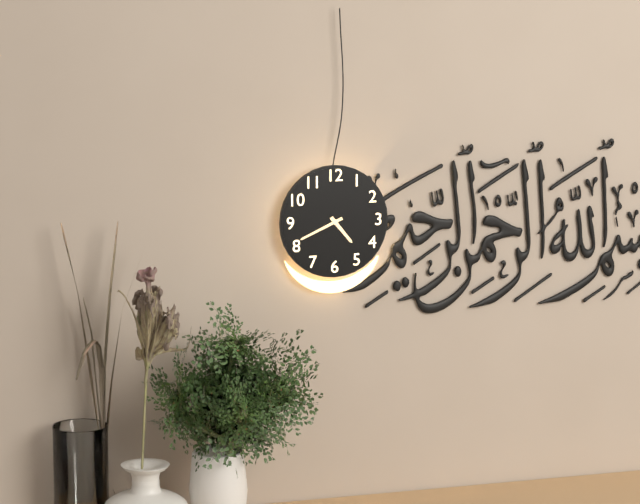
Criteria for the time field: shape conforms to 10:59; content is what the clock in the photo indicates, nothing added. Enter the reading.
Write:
4:41
